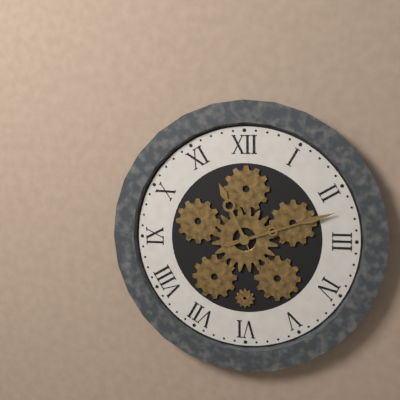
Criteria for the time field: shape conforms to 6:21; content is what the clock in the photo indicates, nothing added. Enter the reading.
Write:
11:12
